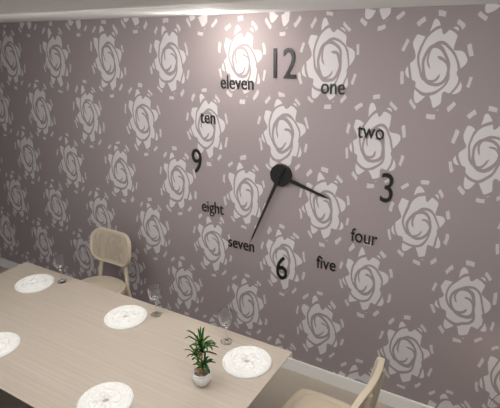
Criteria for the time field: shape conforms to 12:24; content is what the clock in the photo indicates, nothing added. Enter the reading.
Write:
3:34
